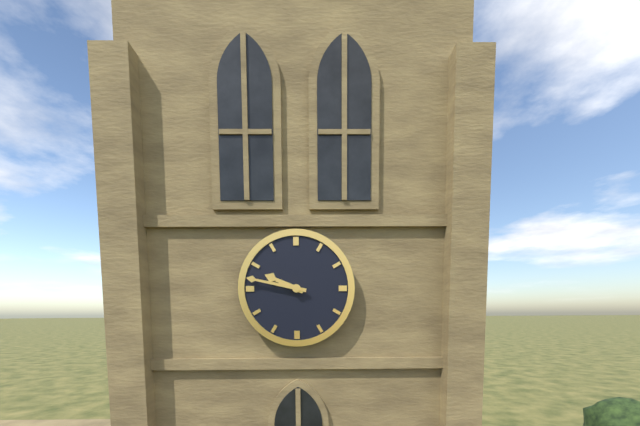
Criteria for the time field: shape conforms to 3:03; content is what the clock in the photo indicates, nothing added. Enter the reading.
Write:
9:47
